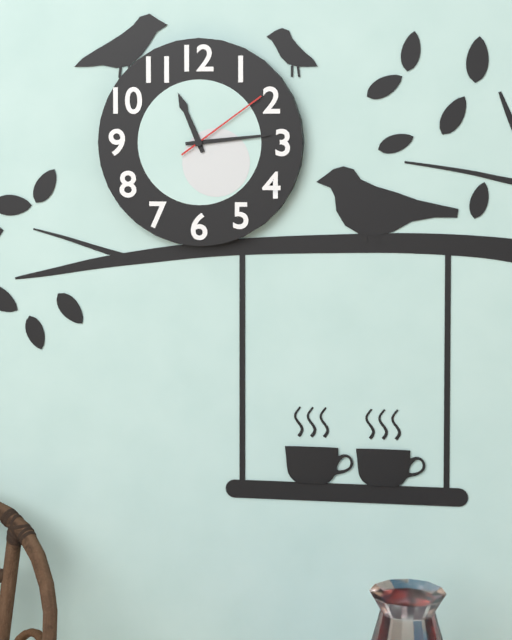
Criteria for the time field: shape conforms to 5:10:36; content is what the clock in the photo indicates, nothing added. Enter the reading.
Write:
11:14:09
